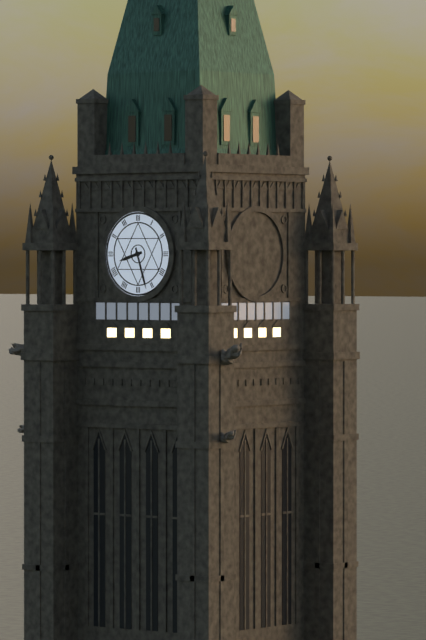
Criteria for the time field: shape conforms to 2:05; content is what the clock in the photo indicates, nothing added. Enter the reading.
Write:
8:27
